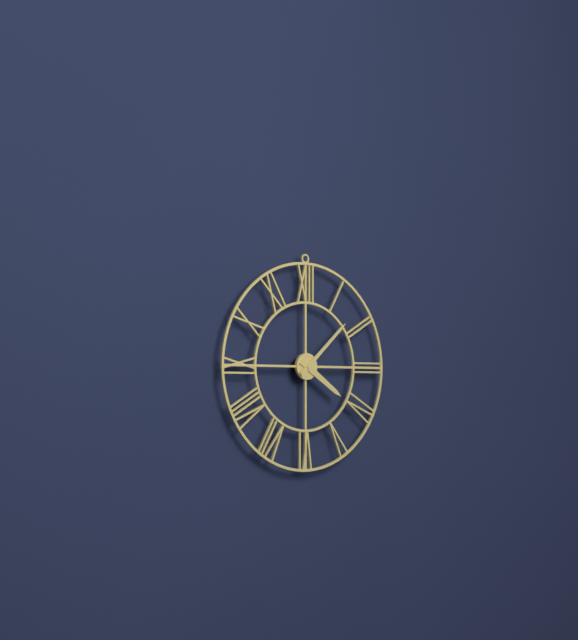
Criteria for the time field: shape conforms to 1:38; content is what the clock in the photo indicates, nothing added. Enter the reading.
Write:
4:08
